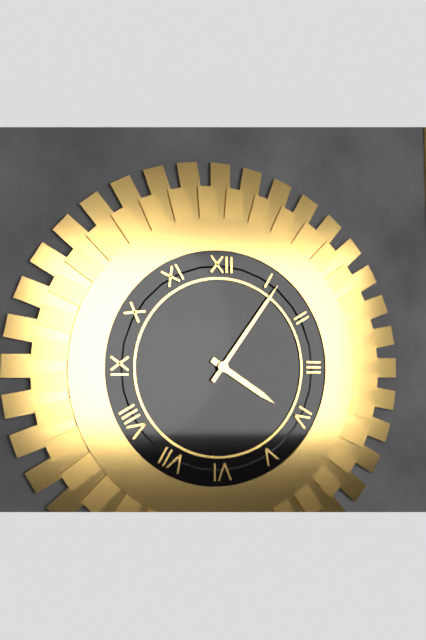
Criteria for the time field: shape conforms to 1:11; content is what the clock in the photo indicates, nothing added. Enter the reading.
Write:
4:06
